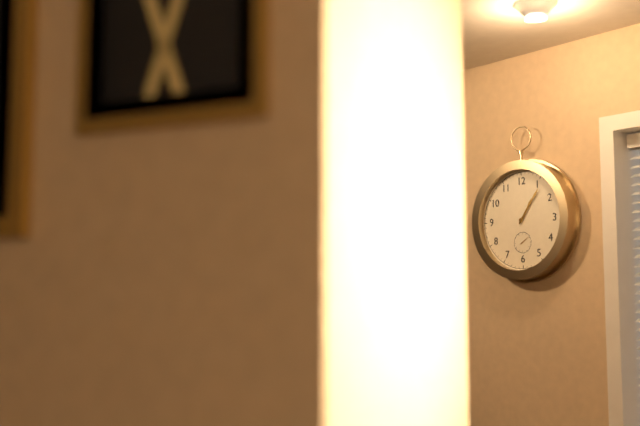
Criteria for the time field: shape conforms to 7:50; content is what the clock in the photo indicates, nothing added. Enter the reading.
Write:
1:06
